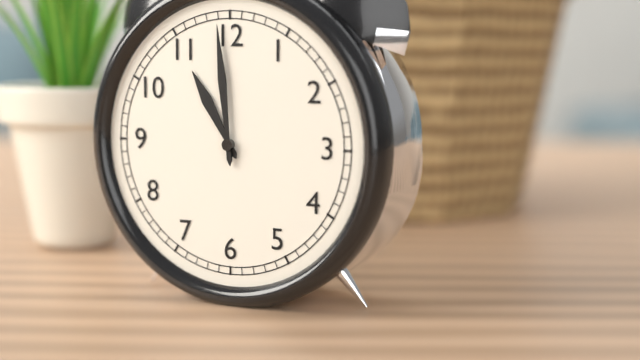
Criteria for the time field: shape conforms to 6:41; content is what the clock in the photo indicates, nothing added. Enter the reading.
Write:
10:59
